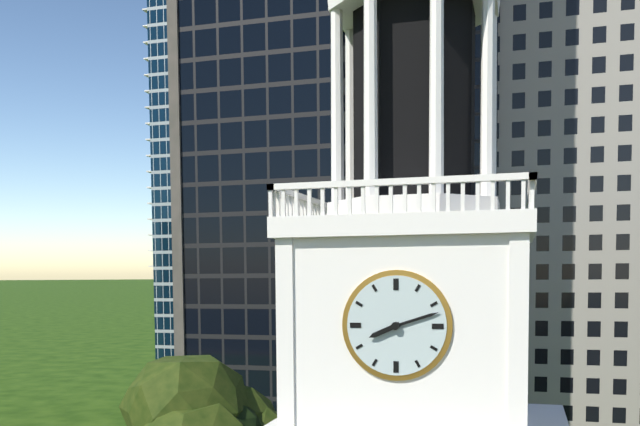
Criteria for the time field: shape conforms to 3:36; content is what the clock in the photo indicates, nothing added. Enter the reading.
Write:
8:12
